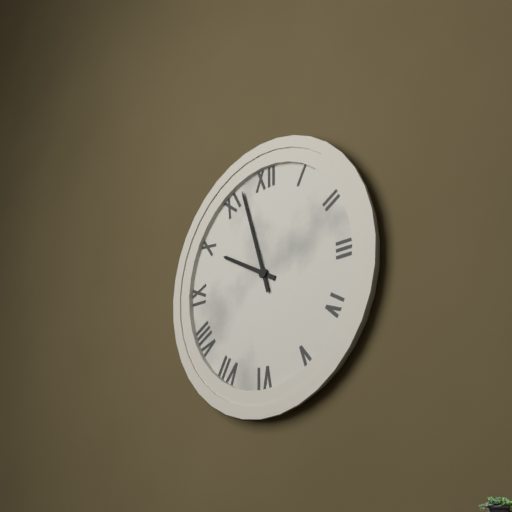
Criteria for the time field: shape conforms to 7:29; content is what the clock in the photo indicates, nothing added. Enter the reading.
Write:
9:57
